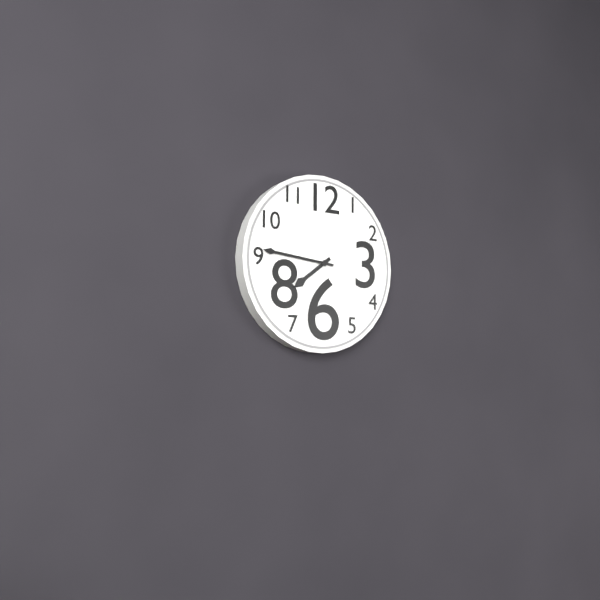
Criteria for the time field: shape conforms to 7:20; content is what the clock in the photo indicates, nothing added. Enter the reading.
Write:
7:46
